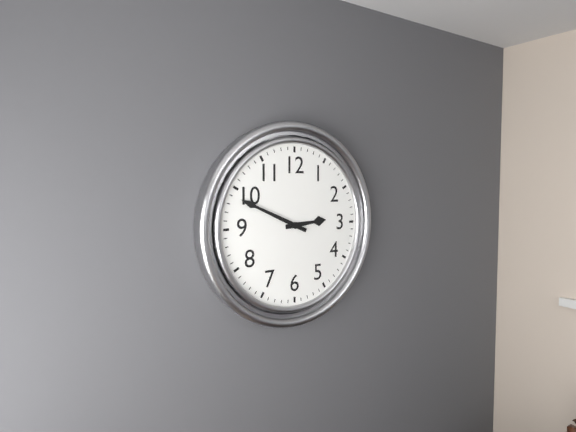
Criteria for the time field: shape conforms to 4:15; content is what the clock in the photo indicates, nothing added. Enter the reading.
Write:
2:49
